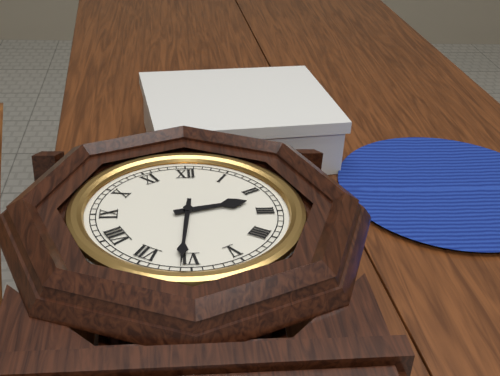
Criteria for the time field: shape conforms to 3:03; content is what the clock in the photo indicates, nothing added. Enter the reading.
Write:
2:31
